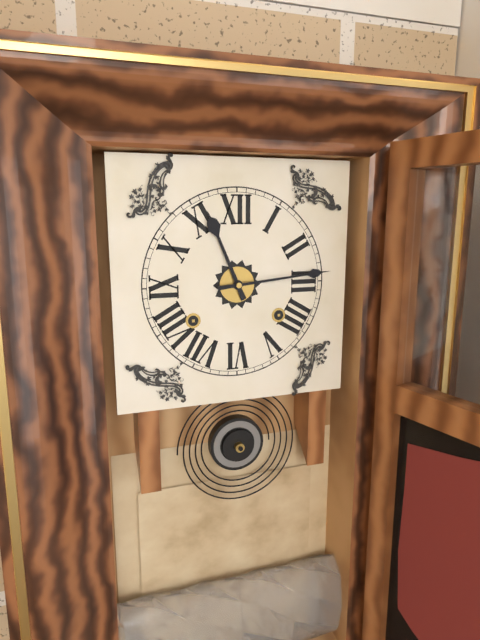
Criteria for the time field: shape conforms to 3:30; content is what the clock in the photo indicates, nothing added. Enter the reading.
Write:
11:14
